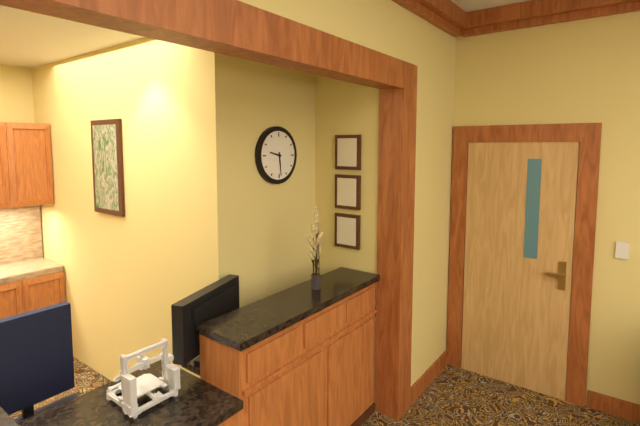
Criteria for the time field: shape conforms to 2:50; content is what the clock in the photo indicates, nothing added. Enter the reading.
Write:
9:29
